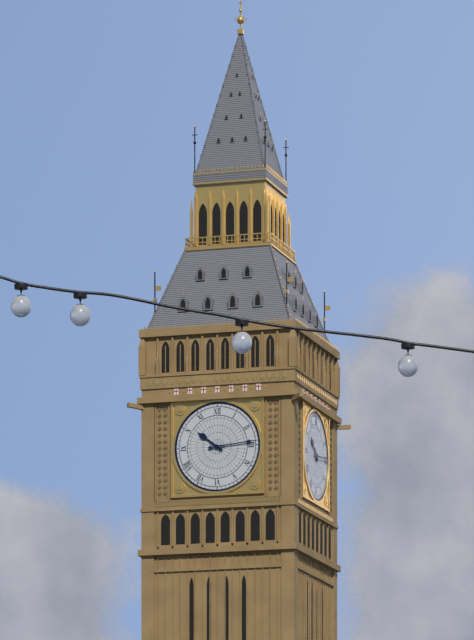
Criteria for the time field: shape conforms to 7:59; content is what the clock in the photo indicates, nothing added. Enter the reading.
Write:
10:14
